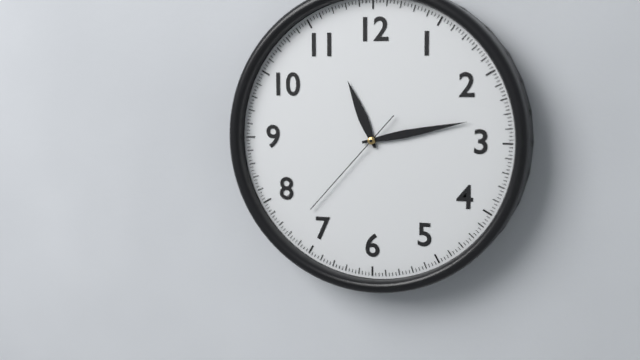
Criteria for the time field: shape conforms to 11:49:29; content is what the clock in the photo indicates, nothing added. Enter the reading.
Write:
11:13:37
